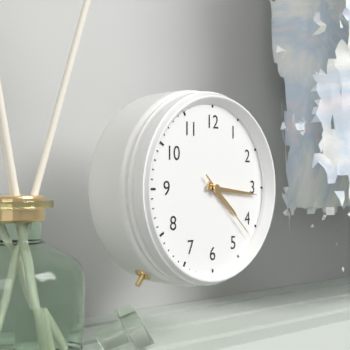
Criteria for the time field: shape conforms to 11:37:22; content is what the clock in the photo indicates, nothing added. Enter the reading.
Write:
4:16:22
